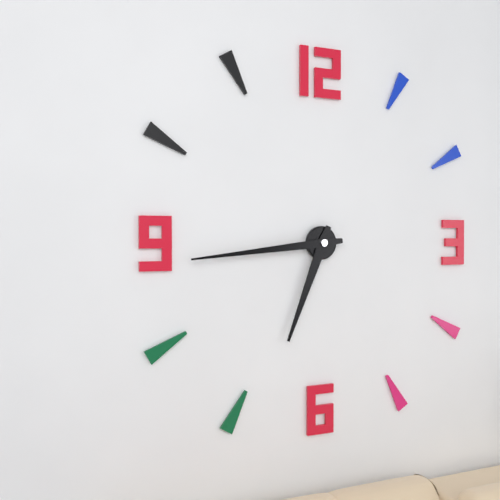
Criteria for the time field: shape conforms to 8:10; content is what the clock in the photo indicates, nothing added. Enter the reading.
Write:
6:44
